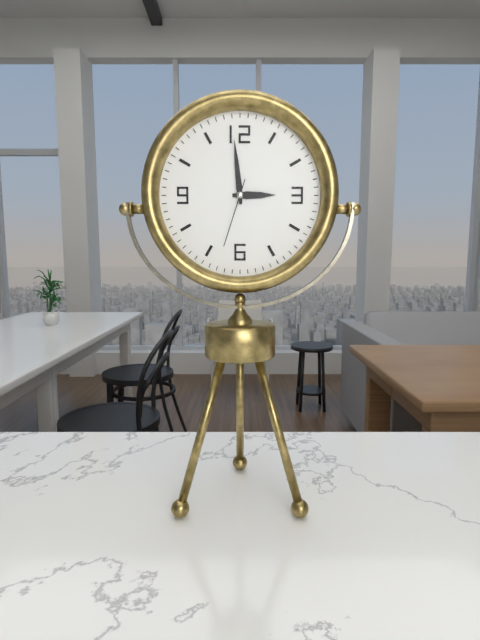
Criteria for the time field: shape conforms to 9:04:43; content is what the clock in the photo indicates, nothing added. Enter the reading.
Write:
2:59:33
